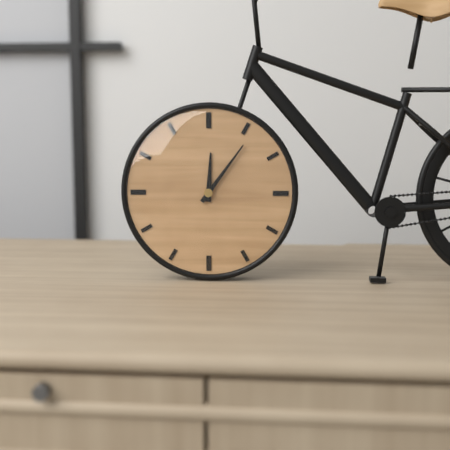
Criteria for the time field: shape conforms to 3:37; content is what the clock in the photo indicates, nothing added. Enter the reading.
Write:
12:06
